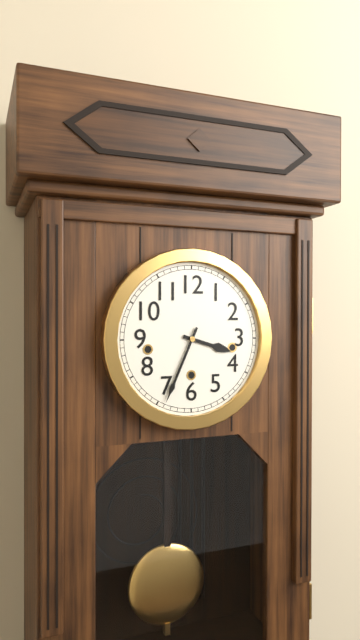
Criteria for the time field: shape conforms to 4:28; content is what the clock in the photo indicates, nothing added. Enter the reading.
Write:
3:34
